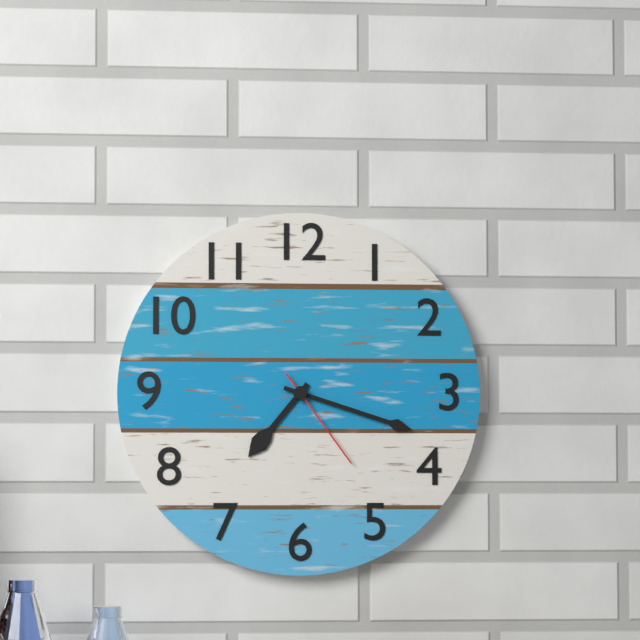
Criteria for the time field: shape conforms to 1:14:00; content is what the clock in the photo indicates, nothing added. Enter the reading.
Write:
7:18:24
